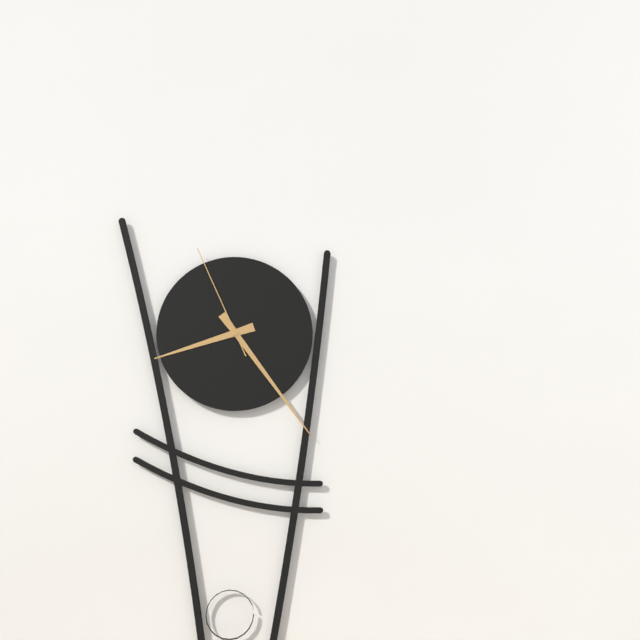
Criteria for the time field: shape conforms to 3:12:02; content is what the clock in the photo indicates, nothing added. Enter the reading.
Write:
8:24:56
